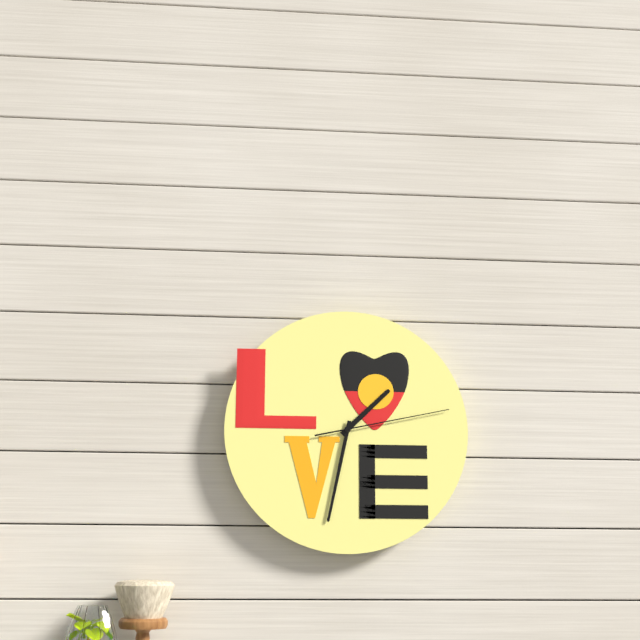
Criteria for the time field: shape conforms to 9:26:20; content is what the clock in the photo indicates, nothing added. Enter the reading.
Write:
1:32:13
